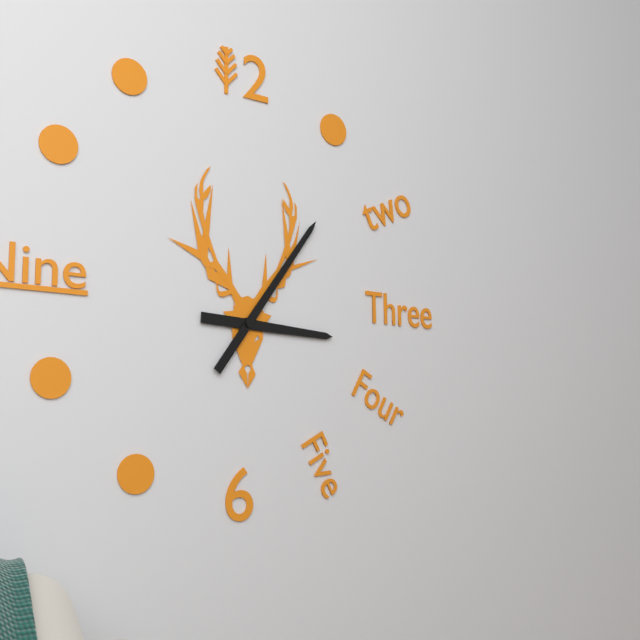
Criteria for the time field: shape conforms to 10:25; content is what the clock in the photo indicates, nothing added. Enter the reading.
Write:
3:06
